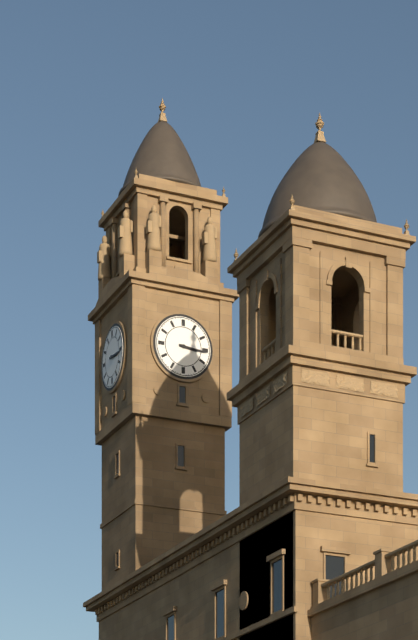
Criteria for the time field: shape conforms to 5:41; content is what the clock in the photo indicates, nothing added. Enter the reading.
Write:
3:16
